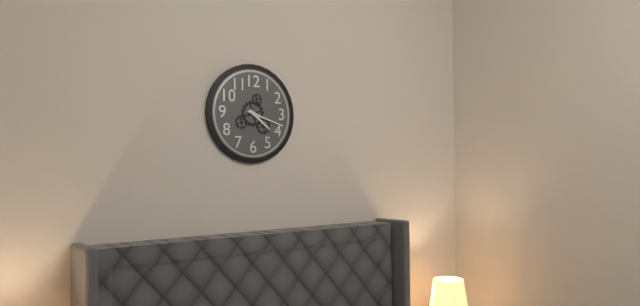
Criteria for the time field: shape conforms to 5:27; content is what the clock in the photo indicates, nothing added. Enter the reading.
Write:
4:18
